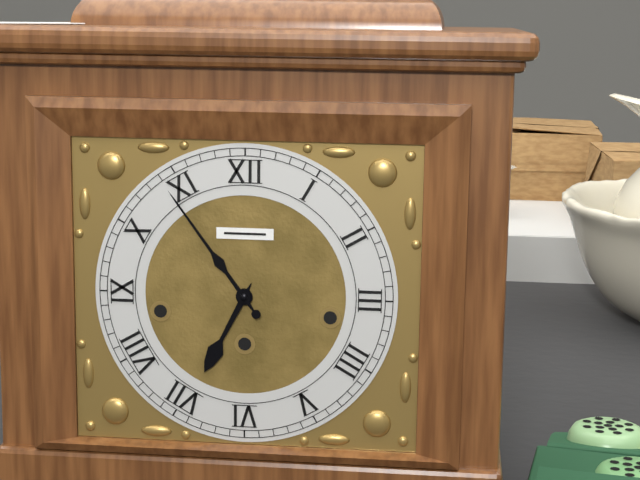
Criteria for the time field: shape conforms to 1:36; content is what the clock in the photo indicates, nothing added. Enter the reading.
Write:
6:54
